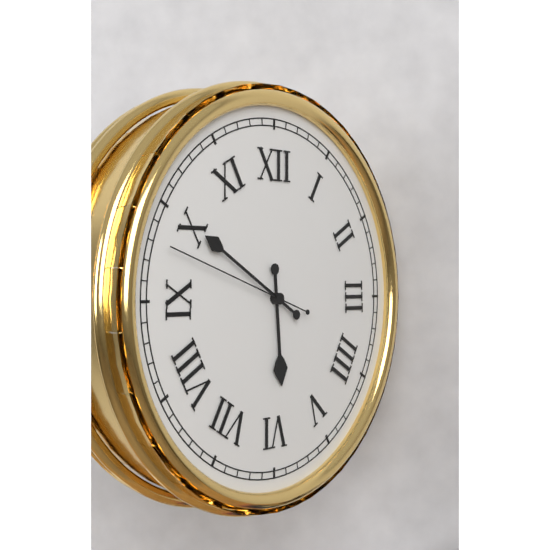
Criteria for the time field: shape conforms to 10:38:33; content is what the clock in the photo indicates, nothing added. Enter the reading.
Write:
5:50:48
